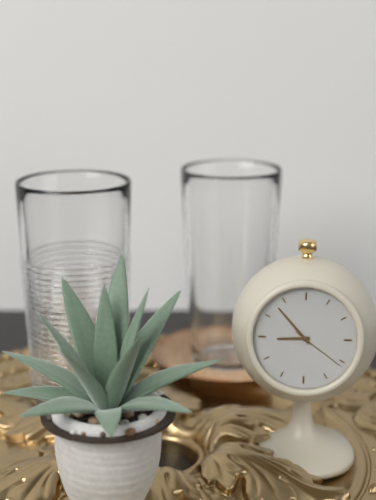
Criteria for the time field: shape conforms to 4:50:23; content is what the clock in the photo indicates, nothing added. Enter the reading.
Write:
8:53:21
